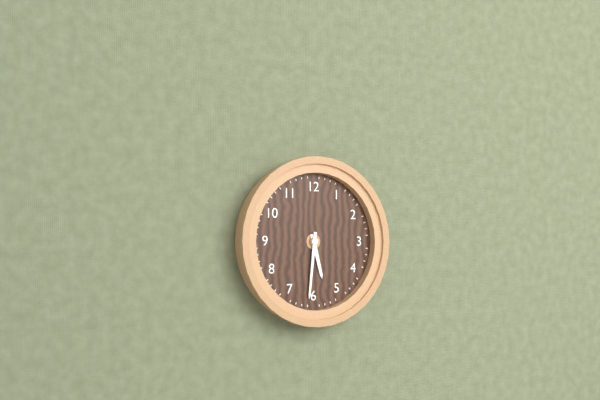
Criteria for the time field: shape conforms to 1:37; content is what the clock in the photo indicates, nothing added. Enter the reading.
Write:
5:31
